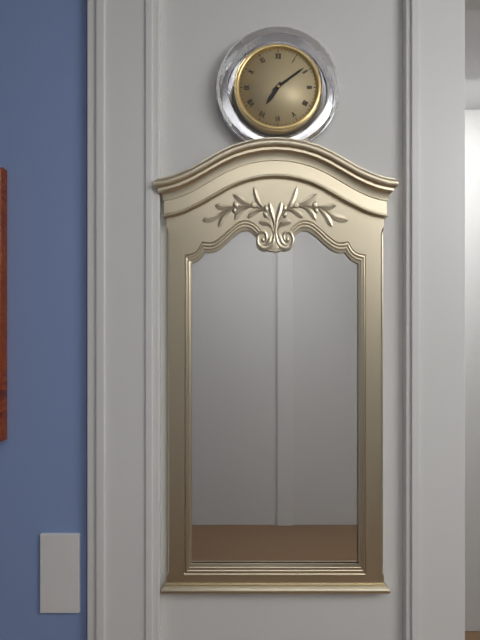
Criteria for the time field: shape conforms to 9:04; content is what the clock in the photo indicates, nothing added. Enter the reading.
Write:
7:09
